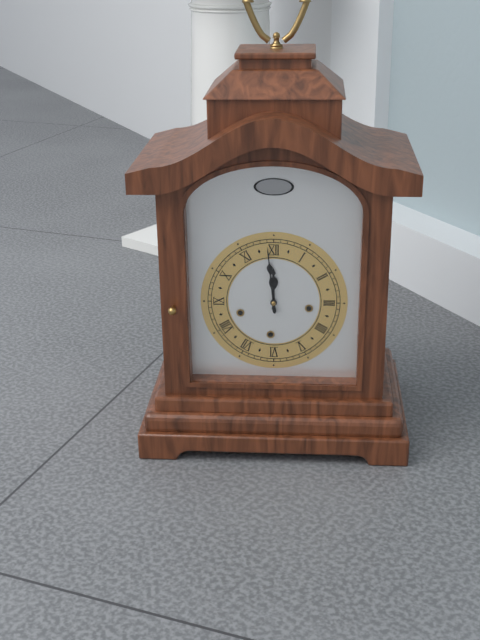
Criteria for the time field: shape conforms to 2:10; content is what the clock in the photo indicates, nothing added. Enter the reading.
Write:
11:59
